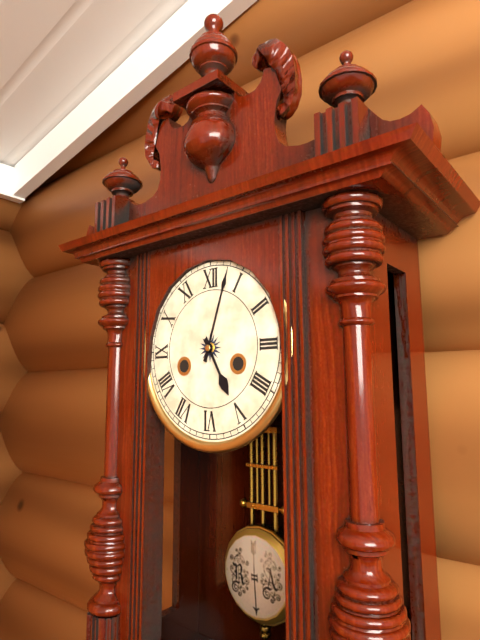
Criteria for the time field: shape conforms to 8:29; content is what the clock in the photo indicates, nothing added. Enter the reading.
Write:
5:03
